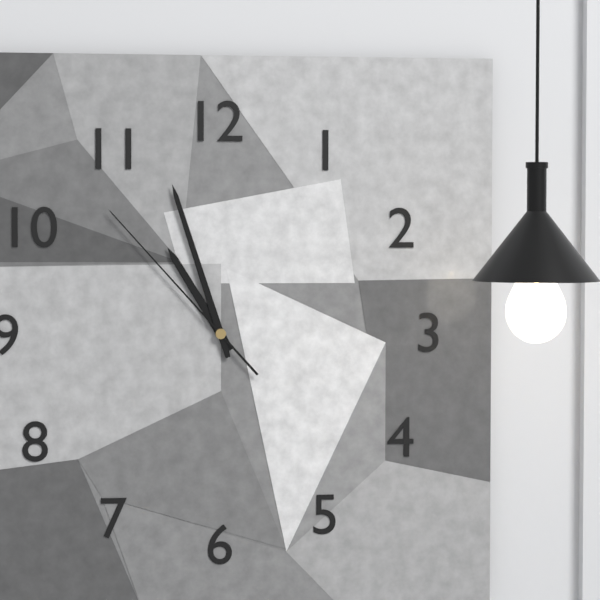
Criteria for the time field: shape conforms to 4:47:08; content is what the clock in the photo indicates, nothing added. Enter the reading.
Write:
10:57:53
